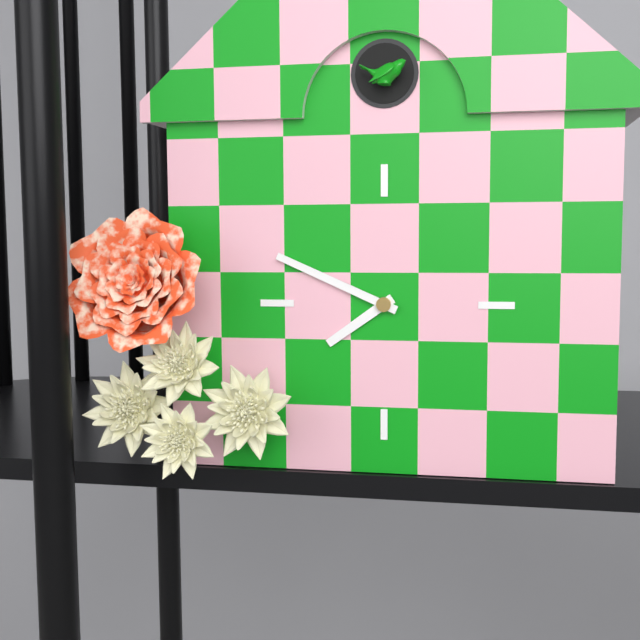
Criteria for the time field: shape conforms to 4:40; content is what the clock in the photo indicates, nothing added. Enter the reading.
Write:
7:49
